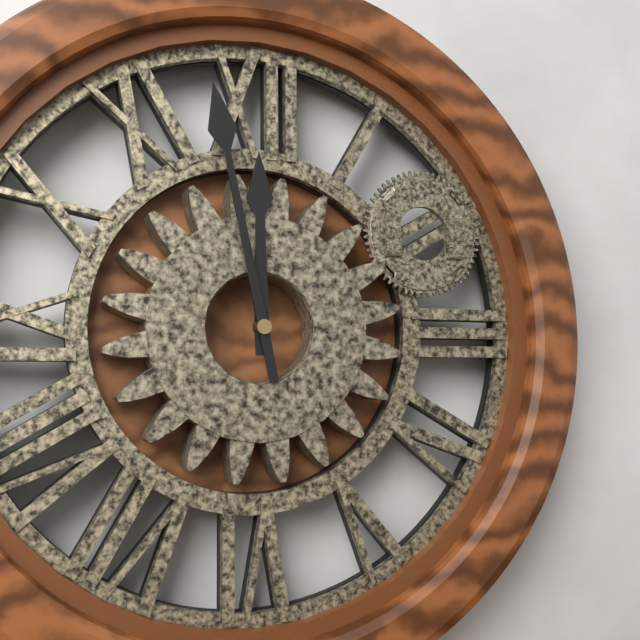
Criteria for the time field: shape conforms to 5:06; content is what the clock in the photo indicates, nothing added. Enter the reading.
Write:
11:58
